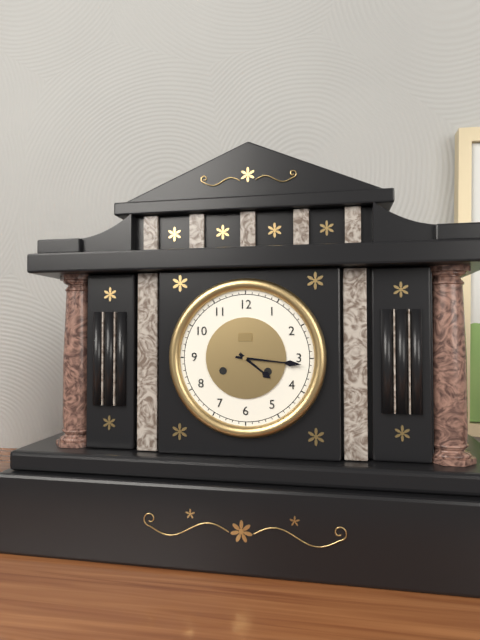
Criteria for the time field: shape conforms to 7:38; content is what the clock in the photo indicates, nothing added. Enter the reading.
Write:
4:16
